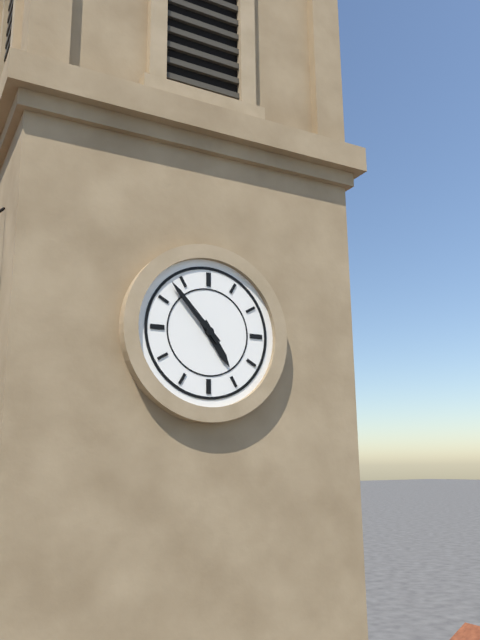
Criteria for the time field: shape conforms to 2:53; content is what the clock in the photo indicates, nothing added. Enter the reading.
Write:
4:53
